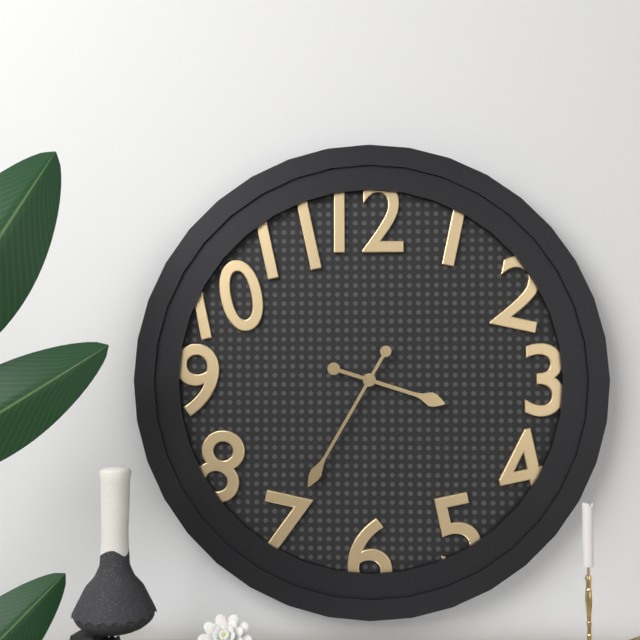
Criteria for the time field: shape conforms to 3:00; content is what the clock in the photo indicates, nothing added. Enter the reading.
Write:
3:35
